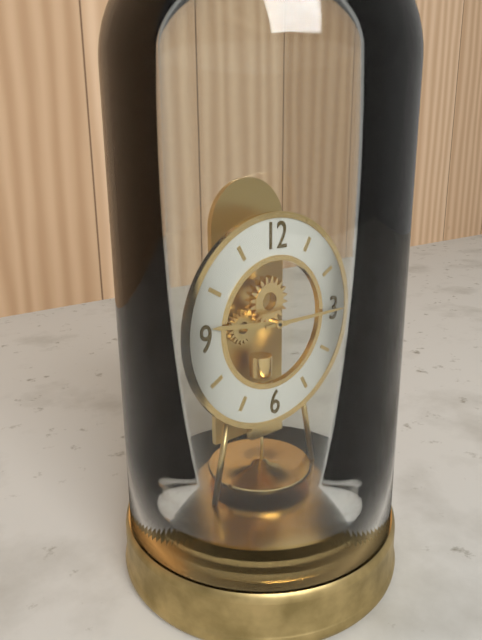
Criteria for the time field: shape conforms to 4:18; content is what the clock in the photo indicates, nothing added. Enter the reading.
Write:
9:15
